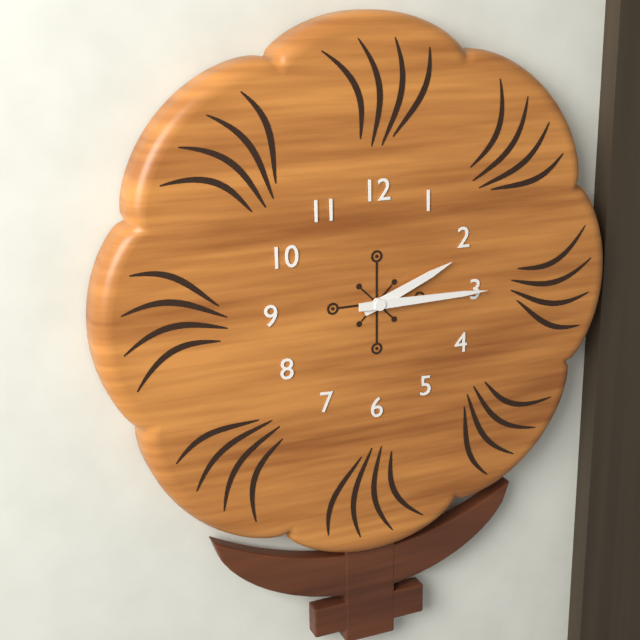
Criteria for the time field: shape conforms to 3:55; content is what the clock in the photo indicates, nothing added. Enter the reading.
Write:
2:15
